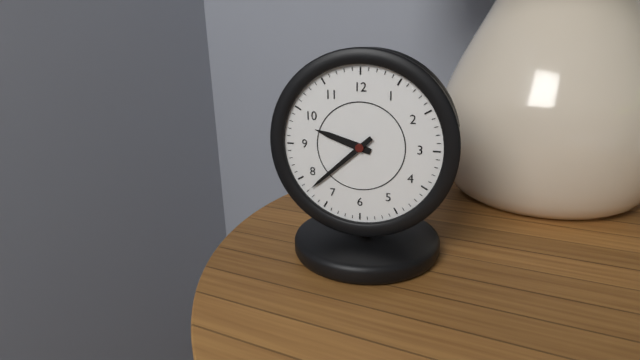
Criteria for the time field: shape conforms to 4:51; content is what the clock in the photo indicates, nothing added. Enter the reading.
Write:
9:38
